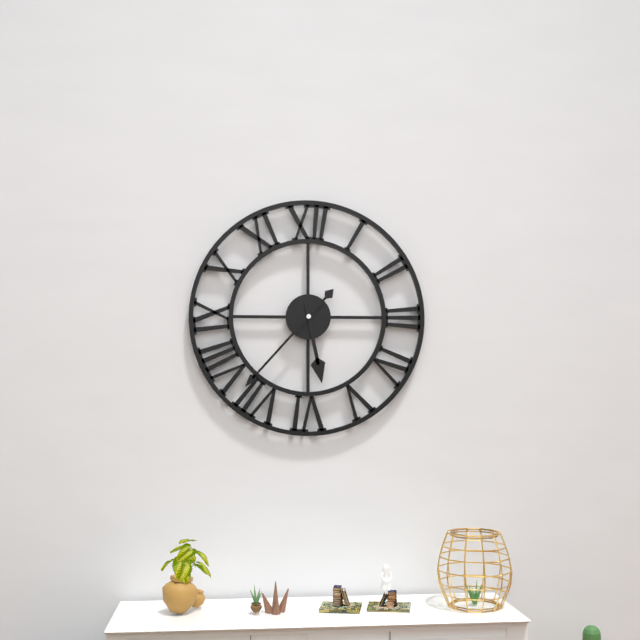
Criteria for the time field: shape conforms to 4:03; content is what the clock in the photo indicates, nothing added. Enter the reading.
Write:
5:37
